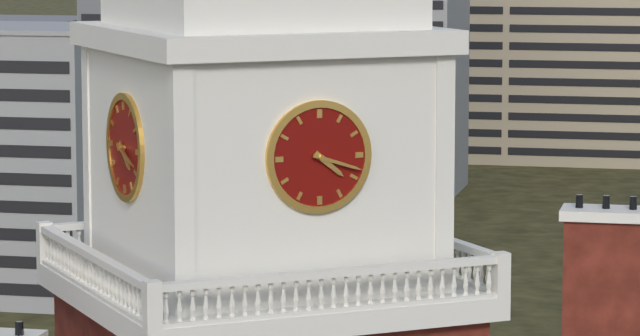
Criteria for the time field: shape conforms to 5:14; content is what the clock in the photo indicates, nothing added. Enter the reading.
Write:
4:18
